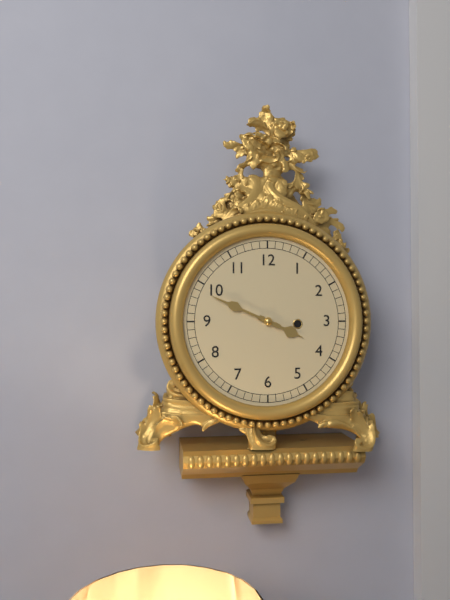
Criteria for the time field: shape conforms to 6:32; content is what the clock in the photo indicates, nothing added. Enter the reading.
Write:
3:49
